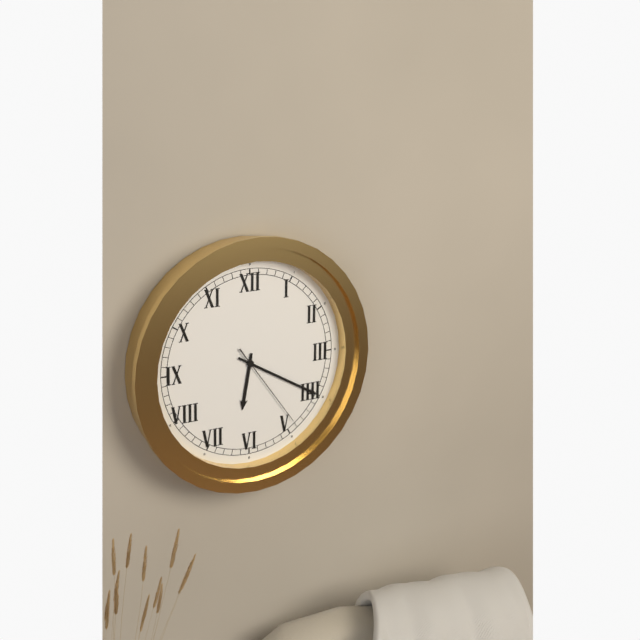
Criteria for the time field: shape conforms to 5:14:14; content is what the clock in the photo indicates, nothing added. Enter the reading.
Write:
6:20:24
